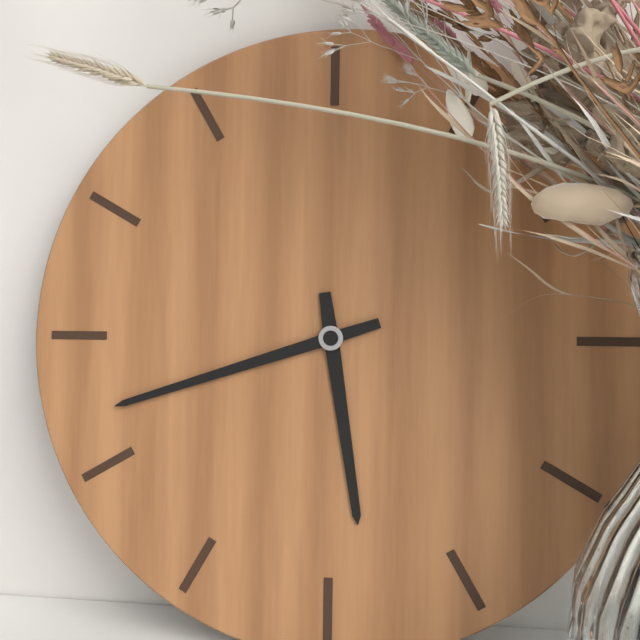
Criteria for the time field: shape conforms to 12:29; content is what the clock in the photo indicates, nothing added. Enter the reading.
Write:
5:42
